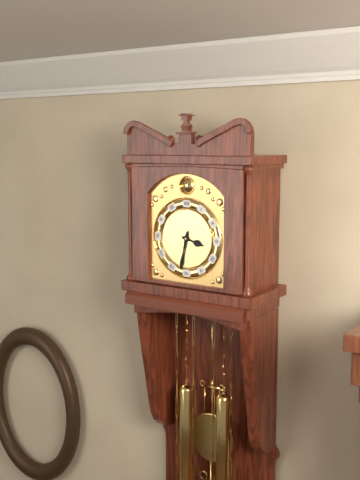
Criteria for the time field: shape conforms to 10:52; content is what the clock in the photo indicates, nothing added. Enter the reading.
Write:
3:32
